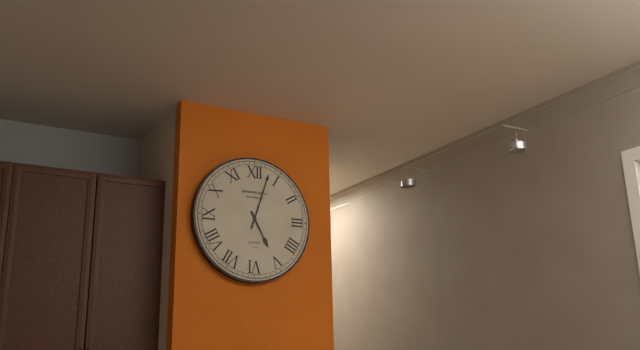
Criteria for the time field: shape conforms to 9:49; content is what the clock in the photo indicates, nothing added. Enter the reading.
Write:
5:03
